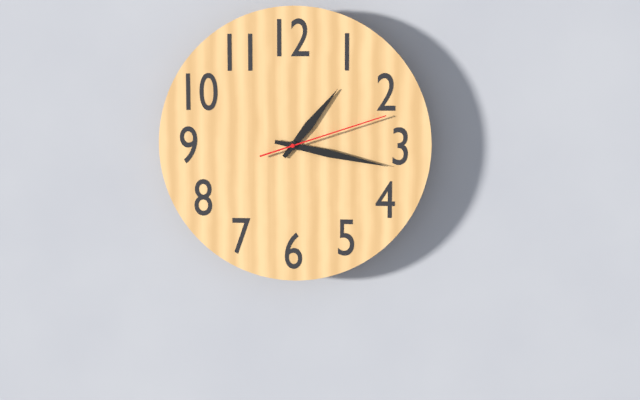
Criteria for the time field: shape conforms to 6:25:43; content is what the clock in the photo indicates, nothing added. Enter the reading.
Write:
1:17:12
